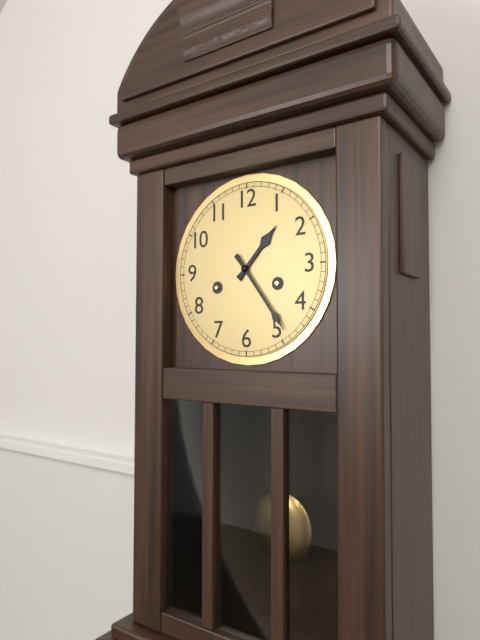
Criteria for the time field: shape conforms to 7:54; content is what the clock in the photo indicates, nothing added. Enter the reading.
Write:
1:24
